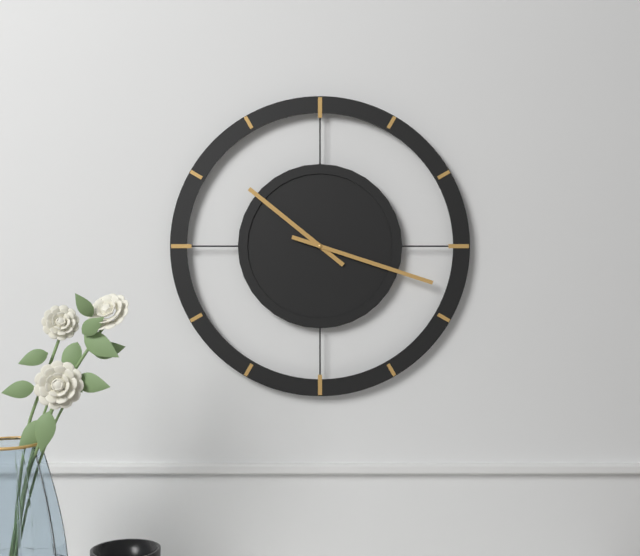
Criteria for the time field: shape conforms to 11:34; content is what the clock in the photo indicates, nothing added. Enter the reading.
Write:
10:18
